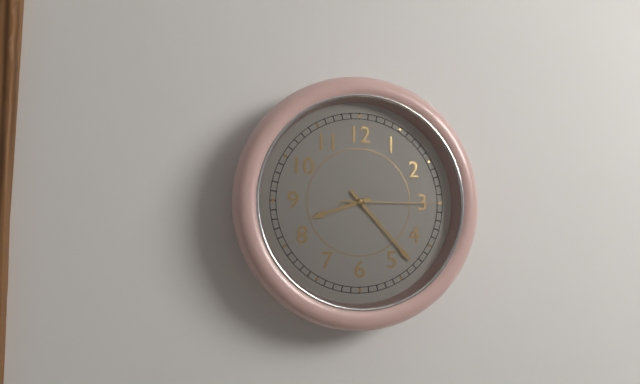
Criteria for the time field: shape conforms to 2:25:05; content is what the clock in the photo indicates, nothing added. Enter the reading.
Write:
8:23:15
